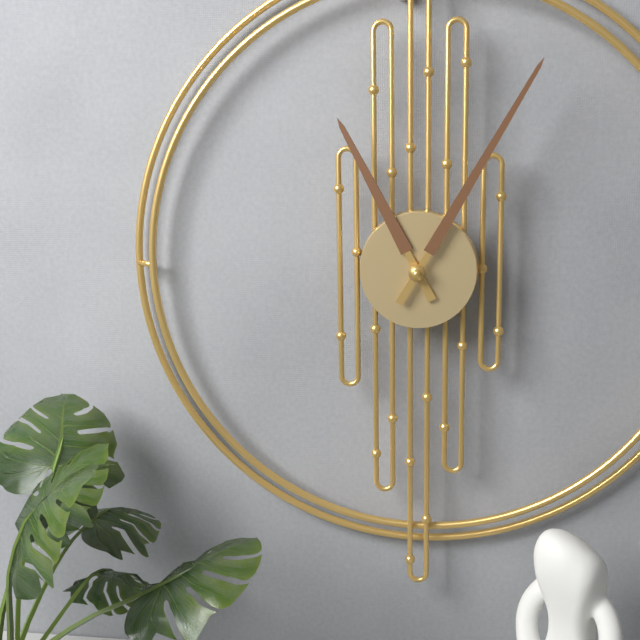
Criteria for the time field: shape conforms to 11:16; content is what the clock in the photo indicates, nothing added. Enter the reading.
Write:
11:05
